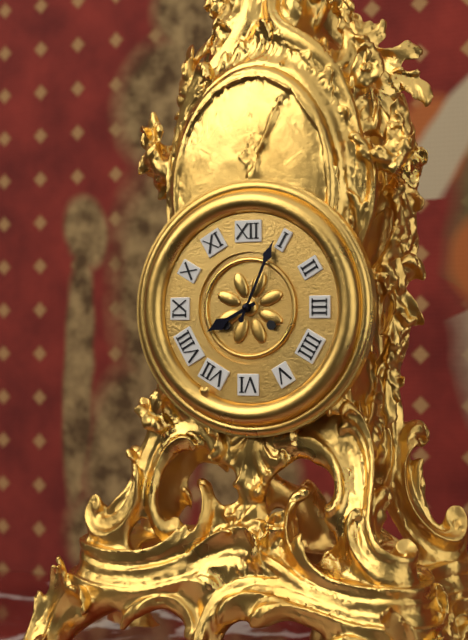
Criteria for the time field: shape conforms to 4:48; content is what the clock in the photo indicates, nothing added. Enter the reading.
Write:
8:04
